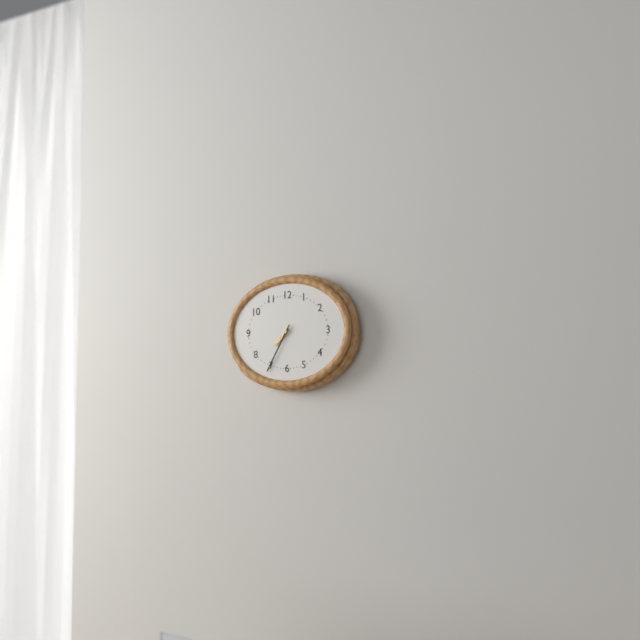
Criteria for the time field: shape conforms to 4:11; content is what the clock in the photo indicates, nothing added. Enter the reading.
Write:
7:35
